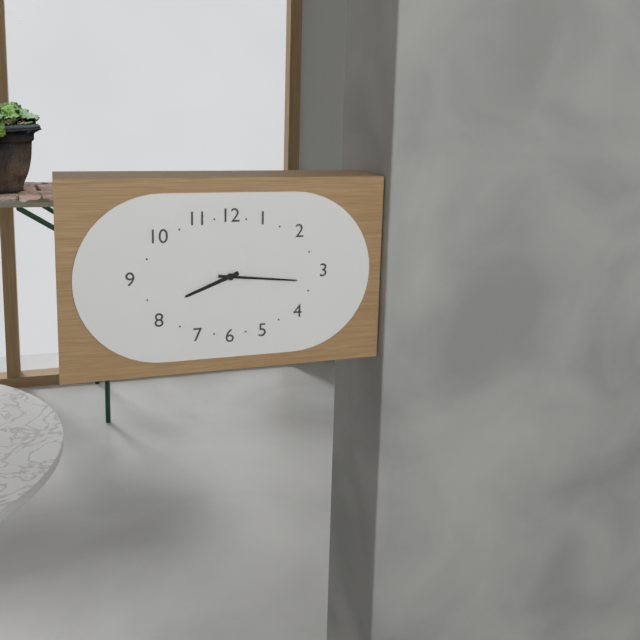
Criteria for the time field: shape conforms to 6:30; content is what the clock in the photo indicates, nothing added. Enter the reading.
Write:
8:16
